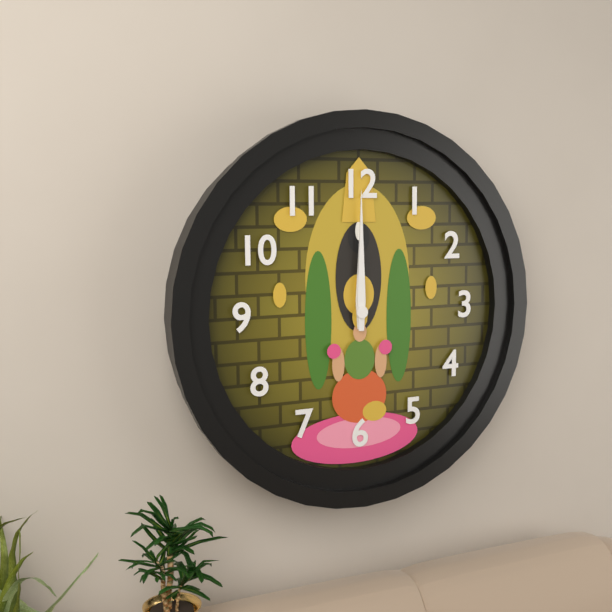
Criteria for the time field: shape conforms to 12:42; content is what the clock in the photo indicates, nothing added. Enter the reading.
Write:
12:00
